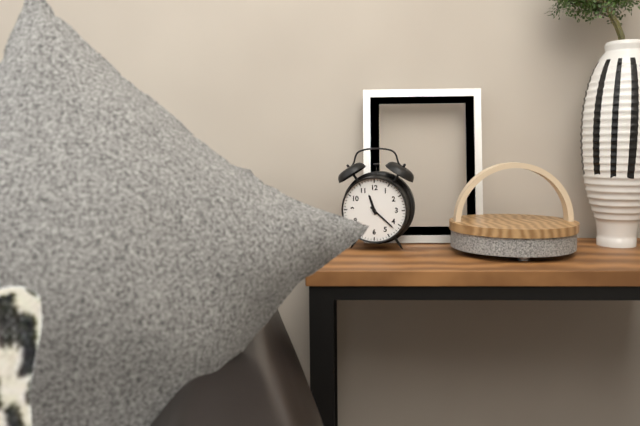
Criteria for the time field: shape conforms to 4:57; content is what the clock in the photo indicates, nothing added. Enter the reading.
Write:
11:22
